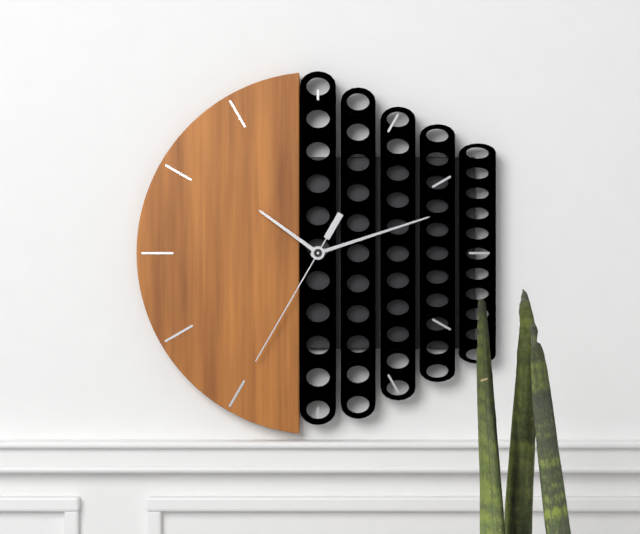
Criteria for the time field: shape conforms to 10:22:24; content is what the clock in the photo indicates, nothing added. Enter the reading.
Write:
10:12:35
